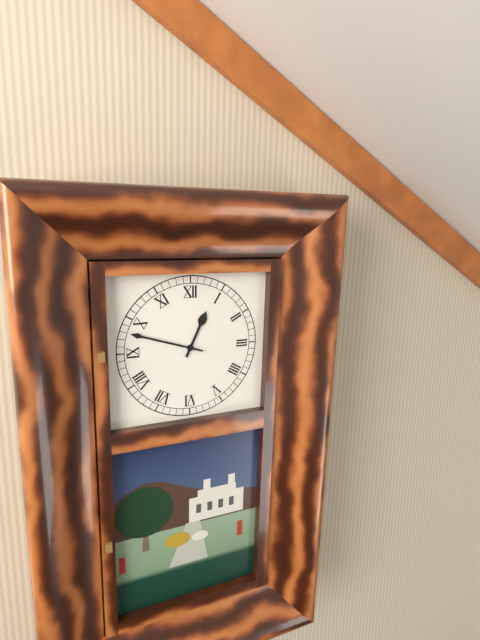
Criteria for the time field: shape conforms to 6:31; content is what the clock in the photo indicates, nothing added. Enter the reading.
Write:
12:48
